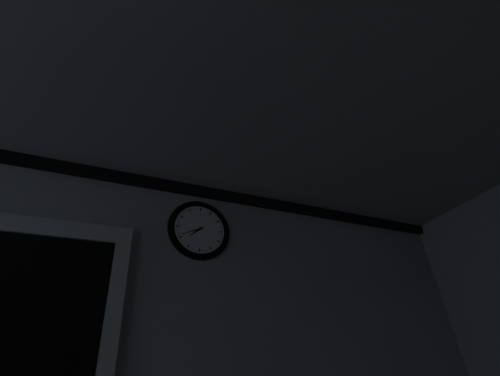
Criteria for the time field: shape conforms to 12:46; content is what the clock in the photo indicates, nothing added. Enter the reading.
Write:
7:41
